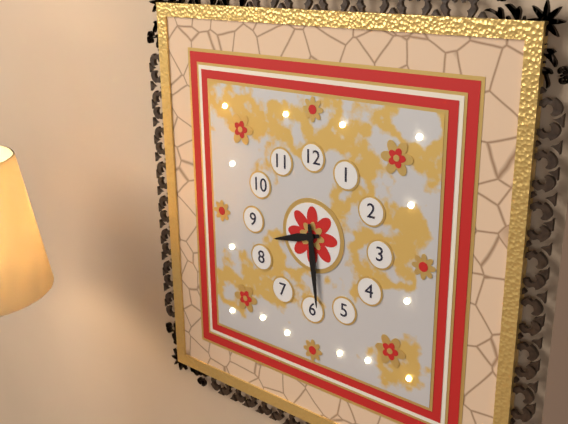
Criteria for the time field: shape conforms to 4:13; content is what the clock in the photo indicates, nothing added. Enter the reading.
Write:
8:29
